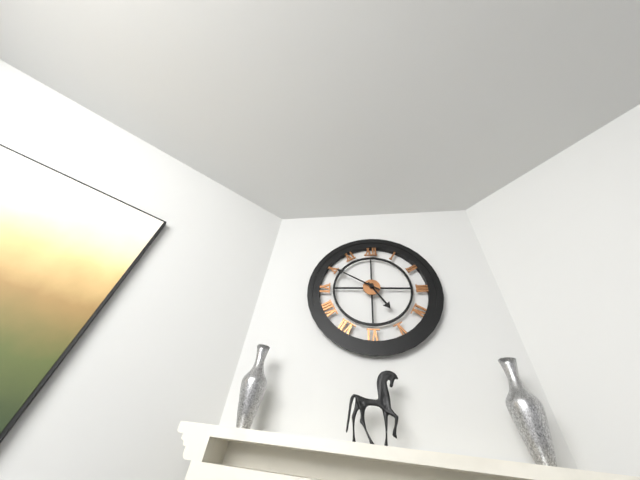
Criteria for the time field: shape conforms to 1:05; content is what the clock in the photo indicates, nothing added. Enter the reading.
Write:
4:50
